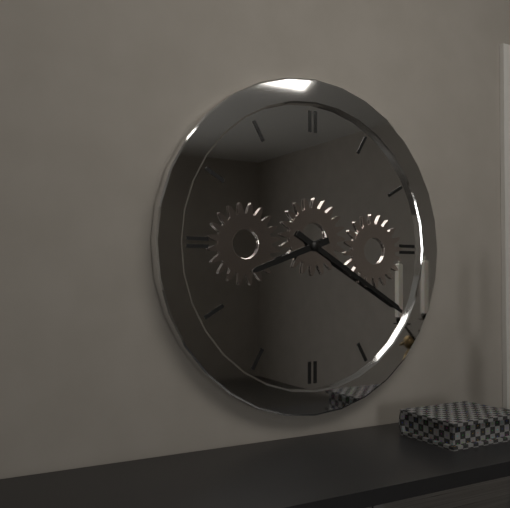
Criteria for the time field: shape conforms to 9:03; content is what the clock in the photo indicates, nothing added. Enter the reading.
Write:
8:20
